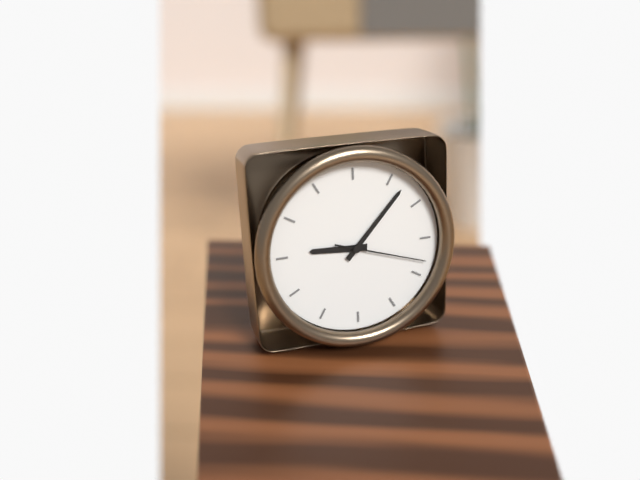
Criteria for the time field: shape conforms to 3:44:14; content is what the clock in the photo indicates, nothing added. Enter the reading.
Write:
9:07:18
